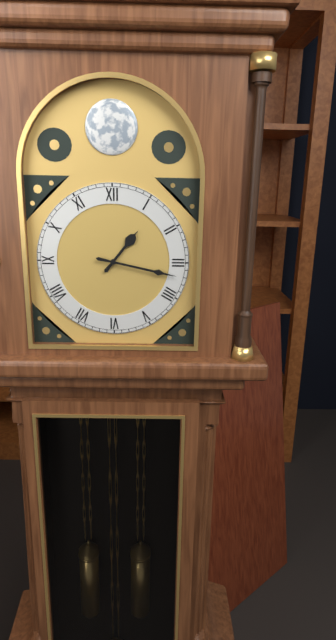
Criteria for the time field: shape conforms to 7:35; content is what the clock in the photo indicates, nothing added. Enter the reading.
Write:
1:17
